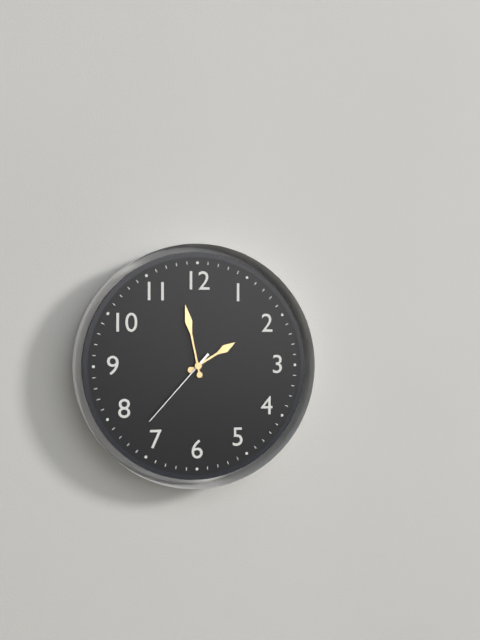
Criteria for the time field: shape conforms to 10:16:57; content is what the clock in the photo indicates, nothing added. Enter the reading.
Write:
1:58:37
